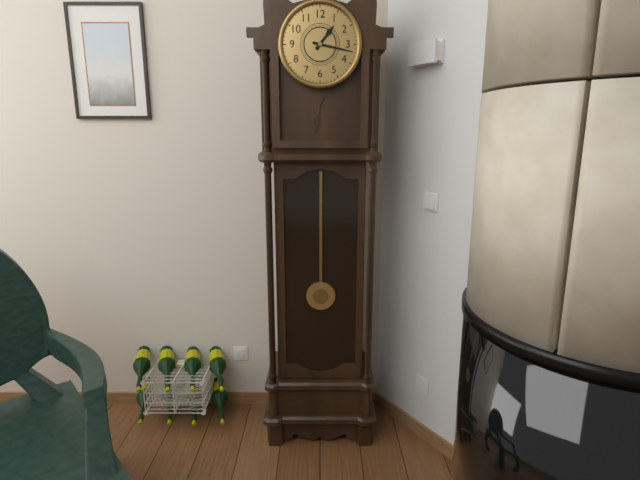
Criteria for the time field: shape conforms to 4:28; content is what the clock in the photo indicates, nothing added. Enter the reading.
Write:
1:17
